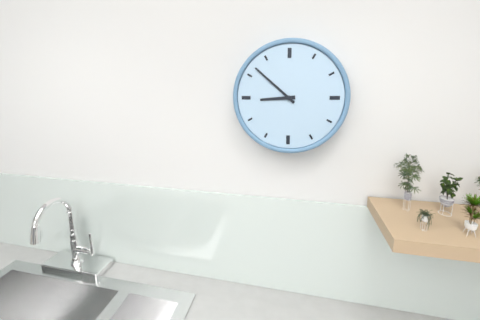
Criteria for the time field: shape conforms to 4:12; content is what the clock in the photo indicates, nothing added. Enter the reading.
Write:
8:52
